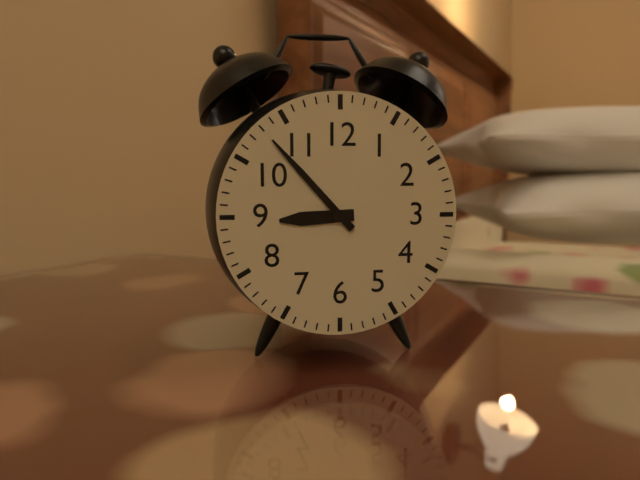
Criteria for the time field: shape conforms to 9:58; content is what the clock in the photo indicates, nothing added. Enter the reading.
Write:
8:53
